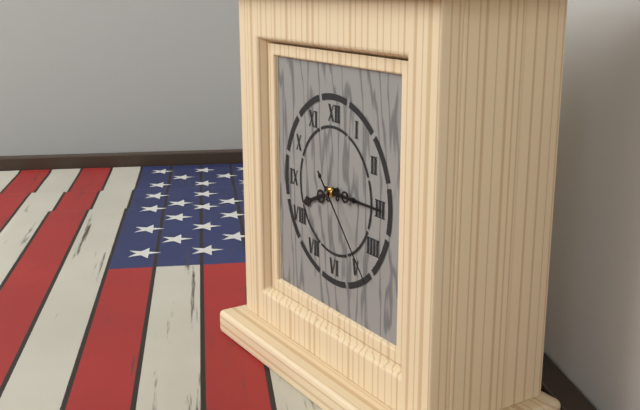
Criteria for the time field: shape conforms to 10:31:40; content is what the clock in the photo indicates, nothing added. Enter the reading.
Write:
8:15:23
